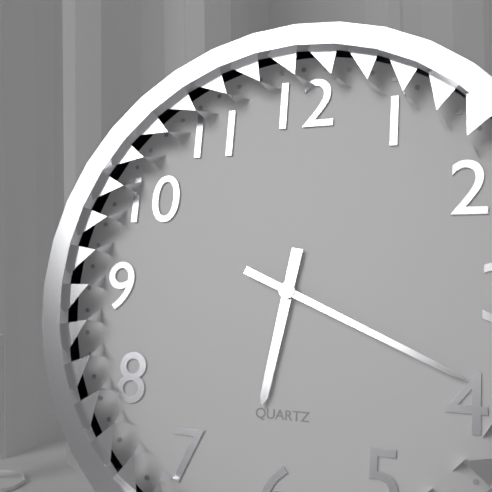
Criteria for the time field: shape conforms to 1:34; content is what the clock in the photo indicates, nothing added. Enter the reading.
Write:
6:19
